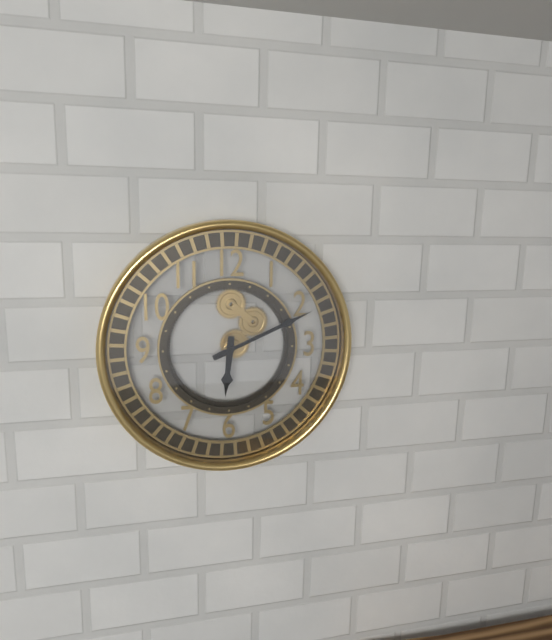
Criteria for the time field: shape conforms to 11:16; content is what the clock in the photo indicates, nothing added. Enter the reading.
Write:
6:11
